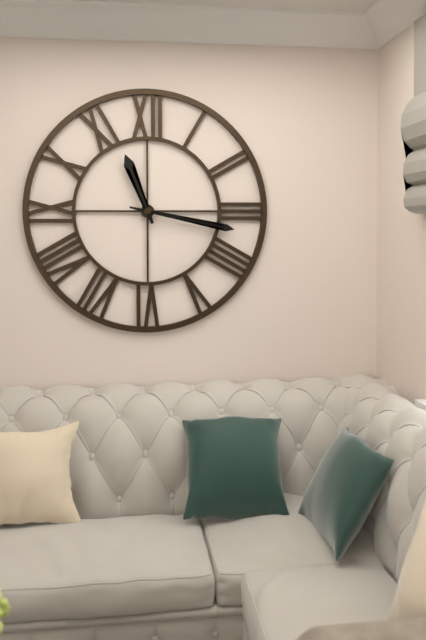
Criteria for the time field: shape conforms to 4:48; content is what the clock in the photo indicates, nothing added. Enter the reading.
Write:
11:17
